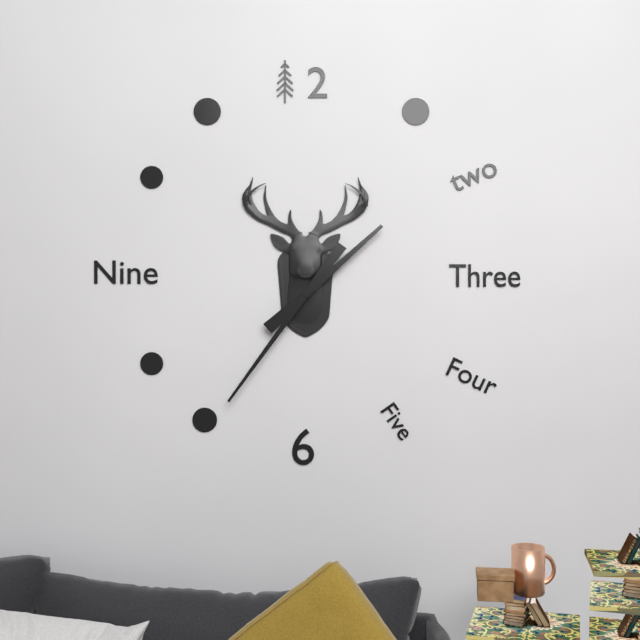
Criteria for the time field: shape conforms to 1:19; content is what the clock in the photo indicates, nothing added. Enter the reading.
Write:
1:36
